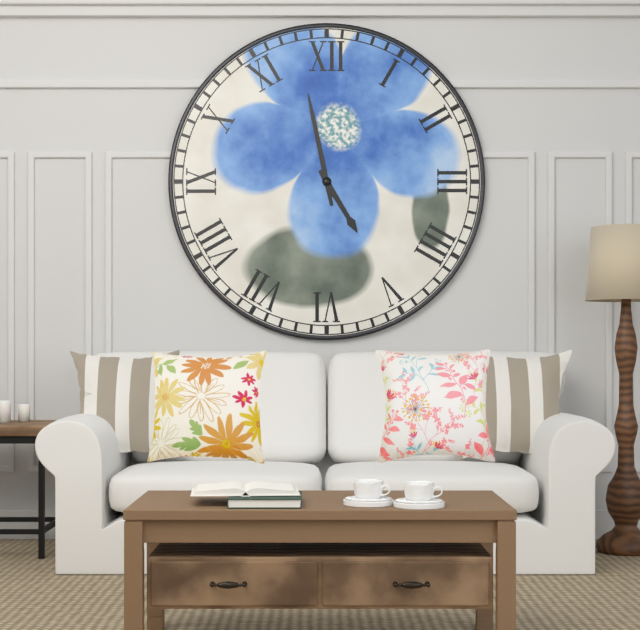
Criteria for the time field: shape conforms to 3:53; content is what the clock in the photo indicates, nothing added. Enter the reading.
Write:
4:58
